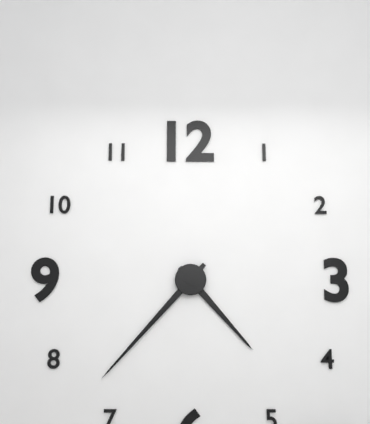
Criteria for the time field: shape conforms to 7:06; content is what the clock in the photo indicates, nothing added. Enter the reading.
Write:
4:37
